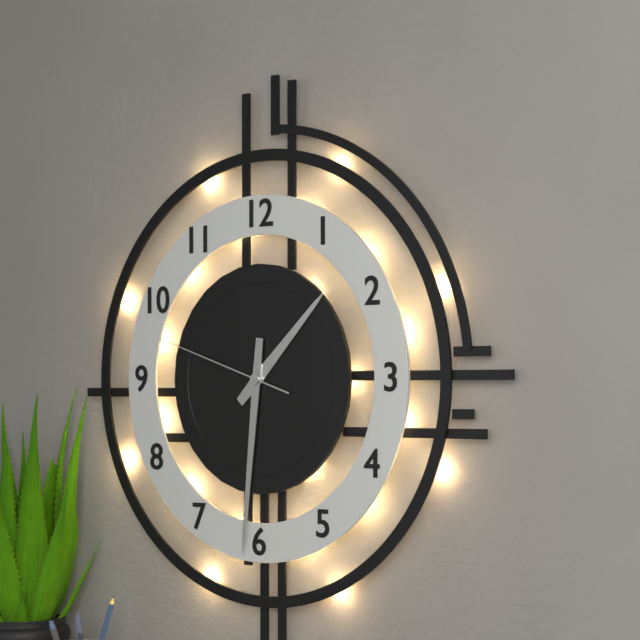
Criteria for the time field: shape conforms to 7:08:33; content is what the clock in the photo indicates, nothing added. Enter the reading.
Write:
1:31:48
